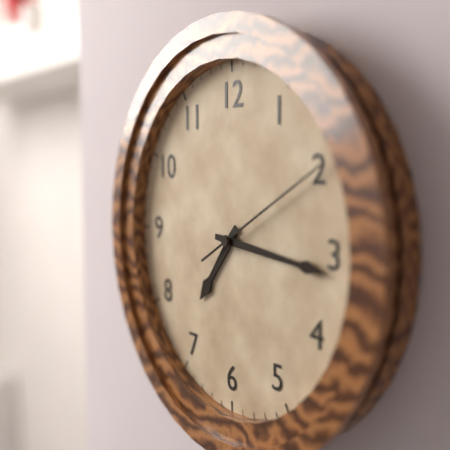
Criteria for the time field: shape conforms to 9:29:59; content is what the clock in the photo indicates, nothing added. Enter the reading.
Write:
7:16:10
